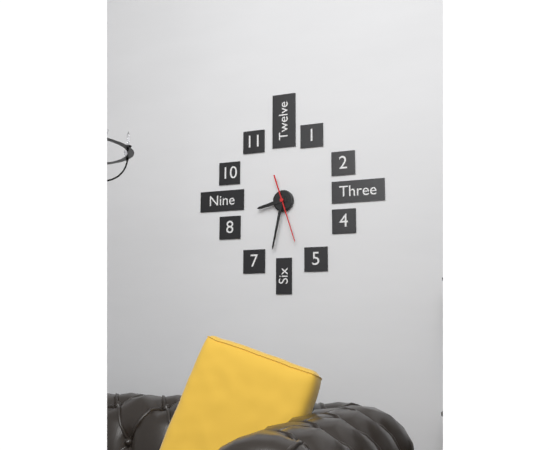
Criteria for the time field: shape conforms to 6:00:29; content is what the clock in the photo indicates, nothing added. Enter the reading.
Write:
8:32:27
